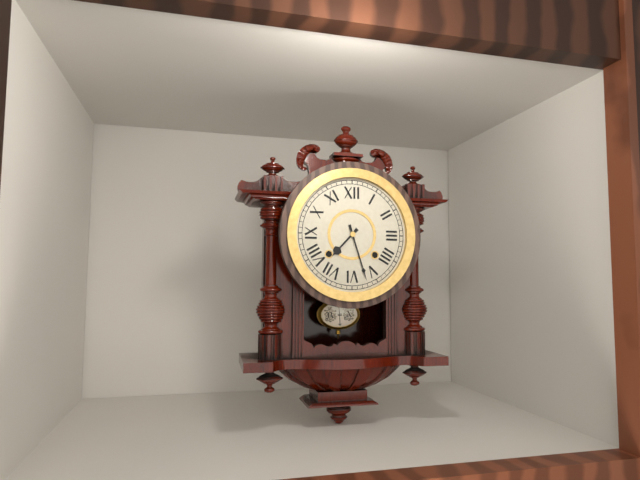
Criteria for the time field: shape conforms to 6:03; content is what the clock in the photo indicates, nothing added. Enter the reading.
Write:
7:27
